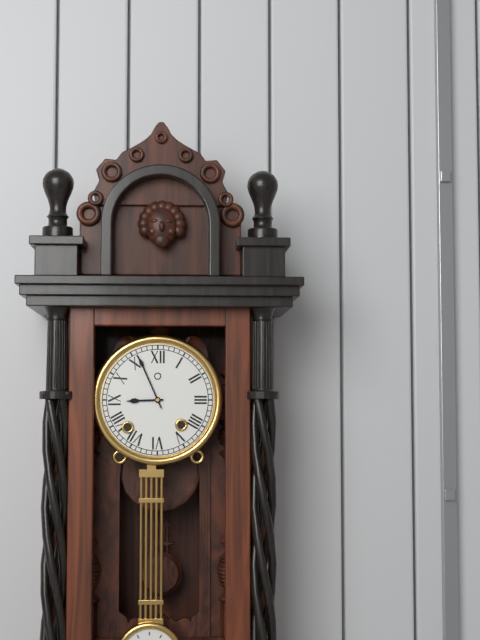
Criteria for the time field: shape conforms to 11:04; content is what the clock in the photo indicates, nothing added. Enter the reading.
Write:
8:56
